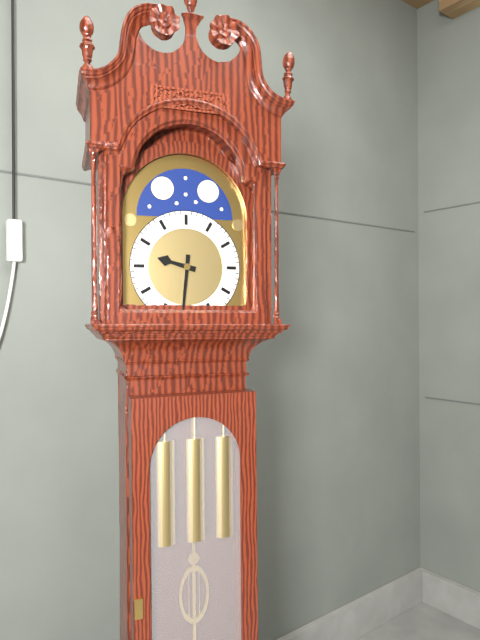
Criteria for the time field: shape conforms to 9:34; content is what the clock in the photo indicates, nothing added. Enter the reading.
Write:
9:31
